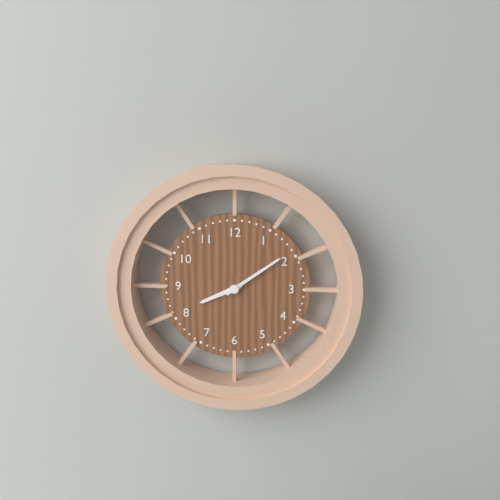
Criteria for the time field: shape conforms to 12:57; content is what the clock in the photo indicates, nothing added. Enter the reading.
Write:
8:09
